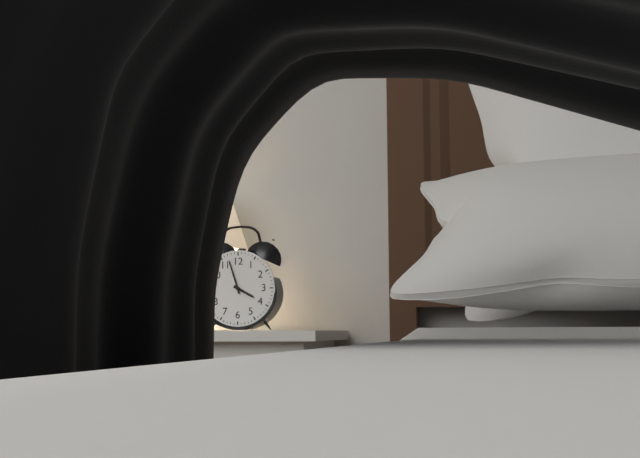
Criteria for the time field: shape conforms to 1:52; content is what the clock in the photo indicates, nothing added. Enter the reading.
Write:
3:57
